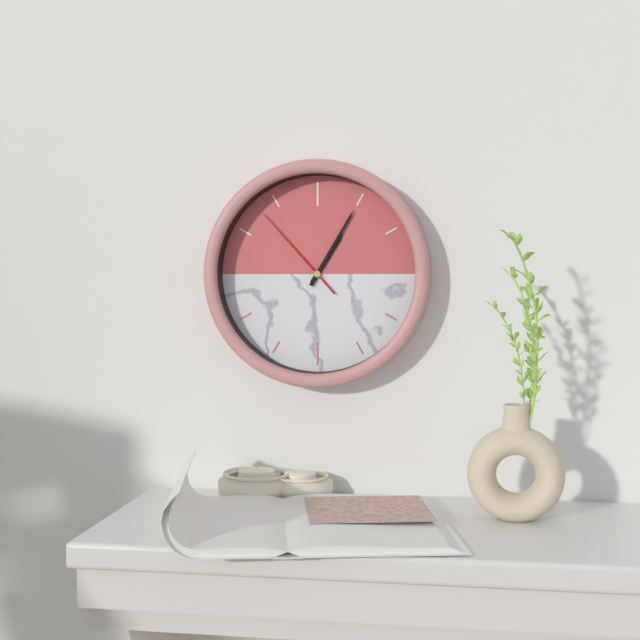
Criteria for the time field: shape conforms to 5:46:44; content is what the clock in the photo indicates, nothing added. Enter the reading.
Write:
1:05:53
